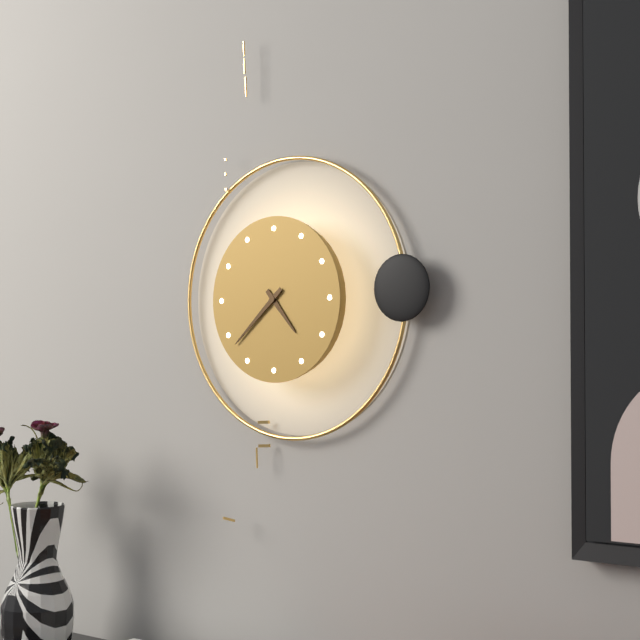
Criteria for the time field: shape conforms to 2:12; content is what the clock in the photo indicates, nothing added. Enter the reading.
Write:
4:38
